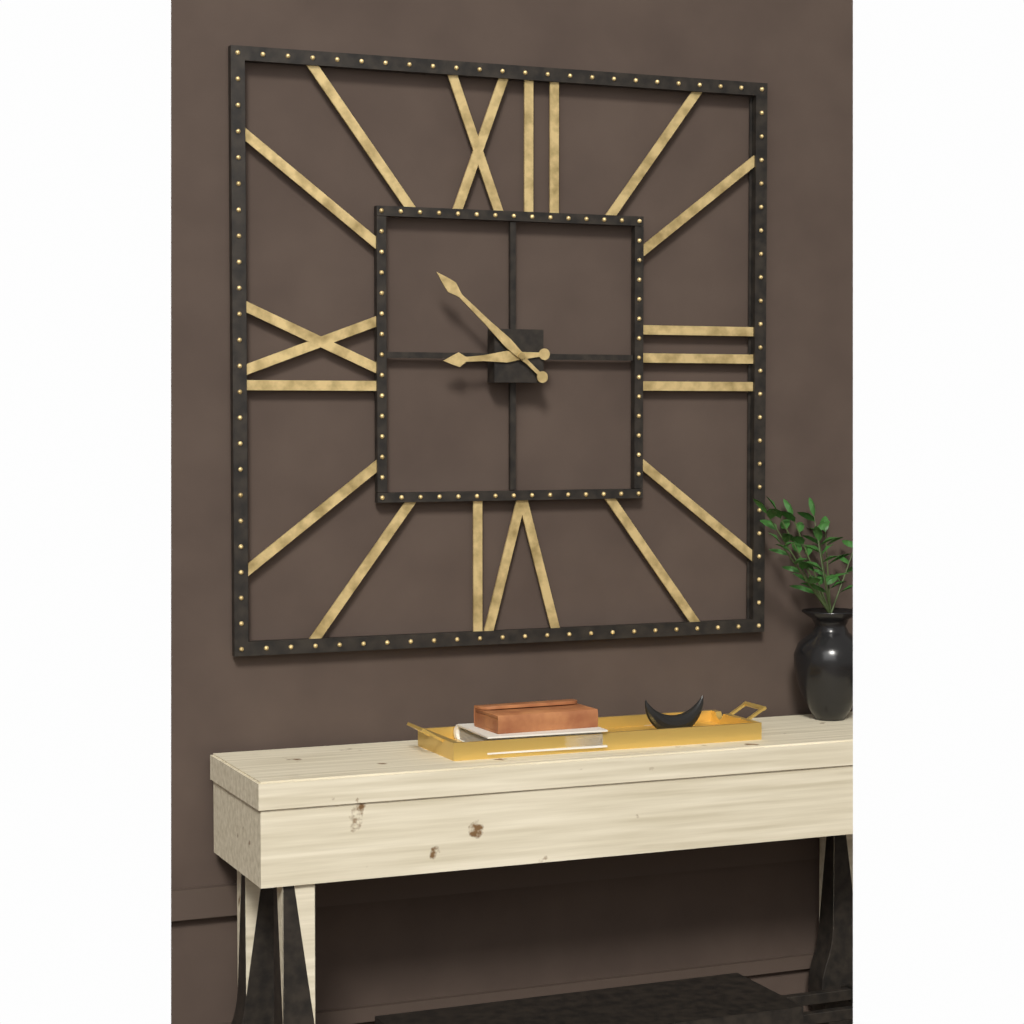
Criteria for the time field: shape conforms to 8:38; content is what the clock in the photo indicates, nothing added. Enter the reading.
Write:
8:52
